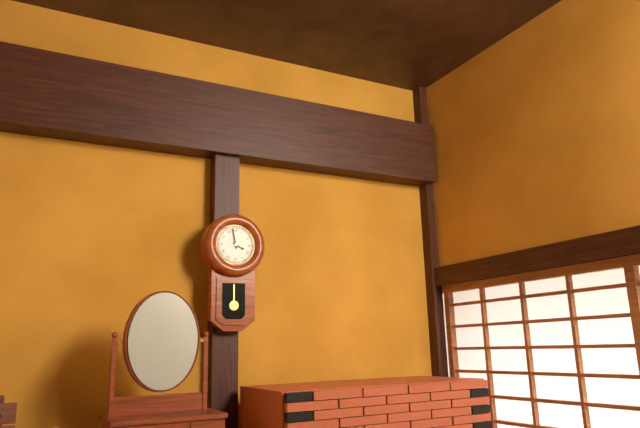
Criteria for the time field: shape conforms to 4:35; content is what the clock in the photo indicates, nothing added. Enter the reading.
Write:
3:58
